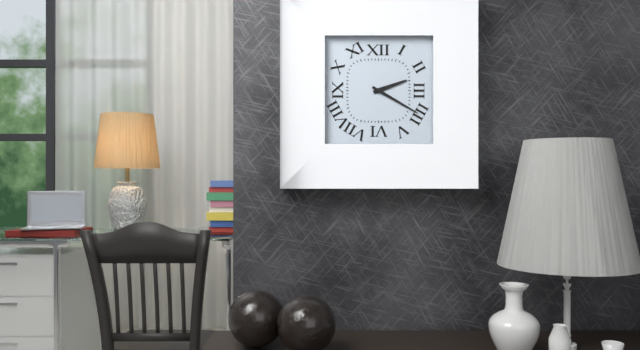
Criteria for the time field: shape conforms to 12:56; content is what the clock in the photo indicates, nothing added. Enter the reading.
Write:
2:20
